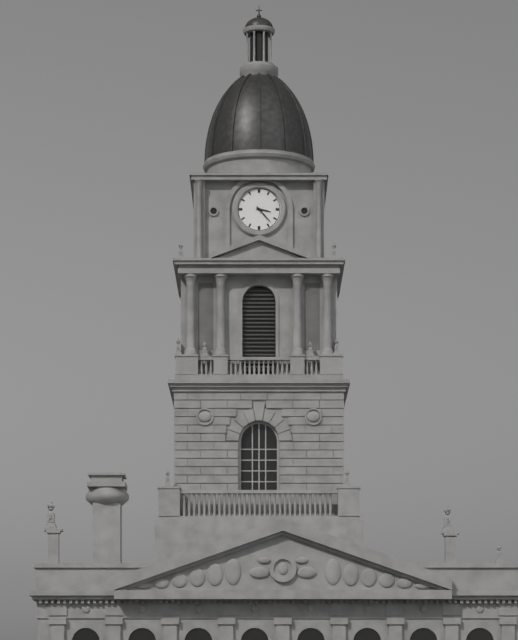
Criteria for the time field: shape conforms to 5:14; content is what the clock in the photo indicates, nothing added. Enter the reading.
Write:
3:23
